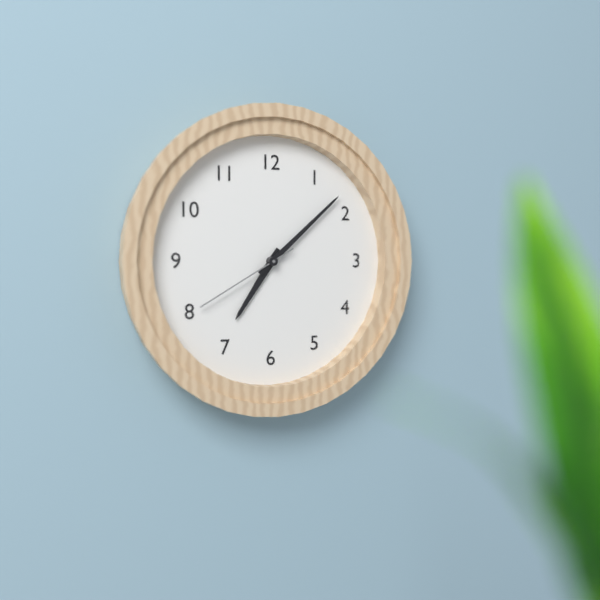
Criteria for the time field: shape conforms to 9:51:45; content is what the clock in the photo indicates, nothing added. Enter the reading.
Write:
7:08:40
